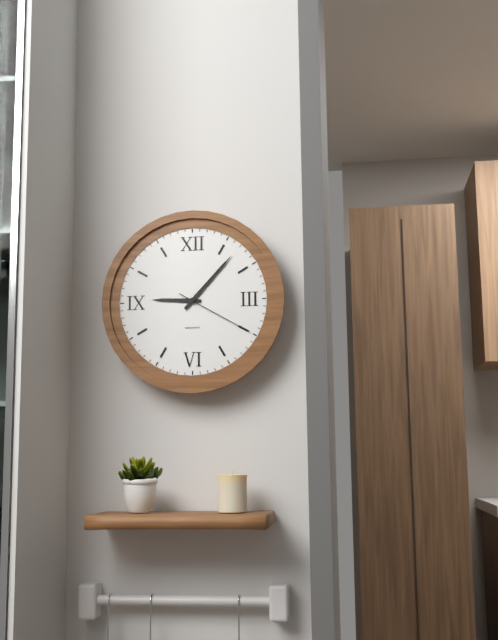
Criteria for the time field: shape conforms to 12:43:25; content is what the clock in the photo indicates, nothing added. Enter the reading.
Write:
9:07:20
